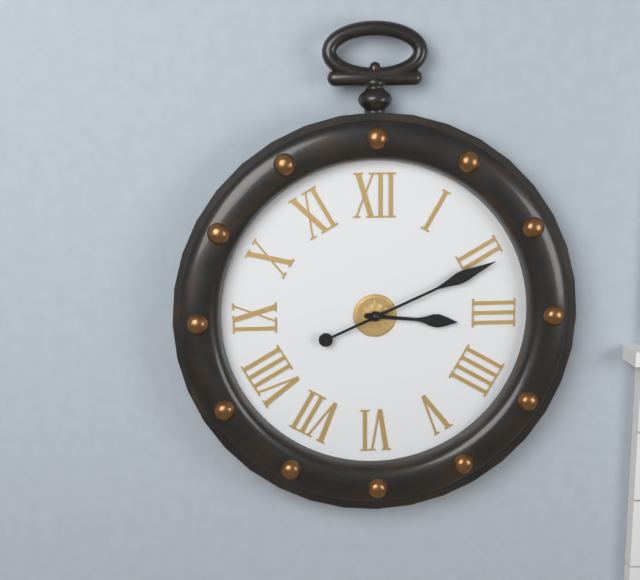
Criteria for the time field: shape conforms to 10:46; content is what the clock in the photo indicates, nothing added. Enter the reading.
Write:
3:11
